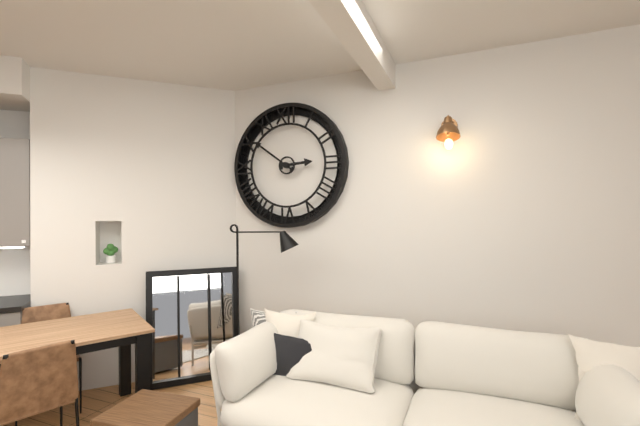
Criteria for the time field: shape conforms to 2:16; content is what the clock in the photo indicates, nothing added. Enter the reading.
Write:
2:51
